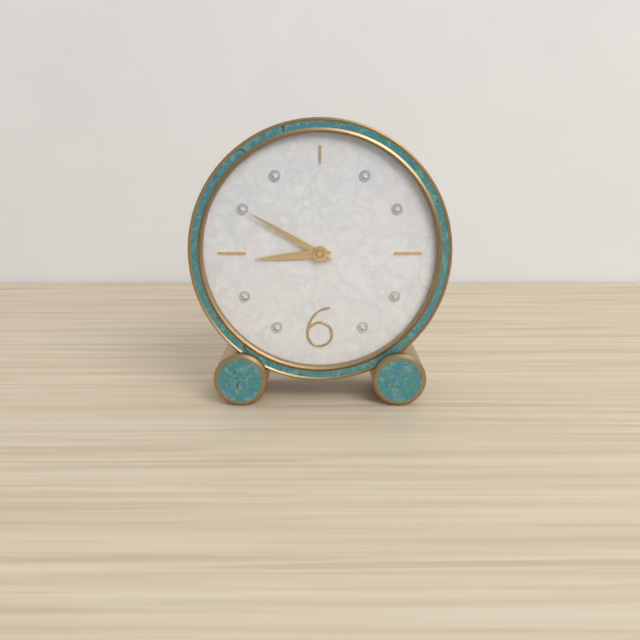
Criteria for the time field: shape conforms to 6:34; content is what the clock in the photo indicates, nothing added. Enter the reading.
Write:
8:50
